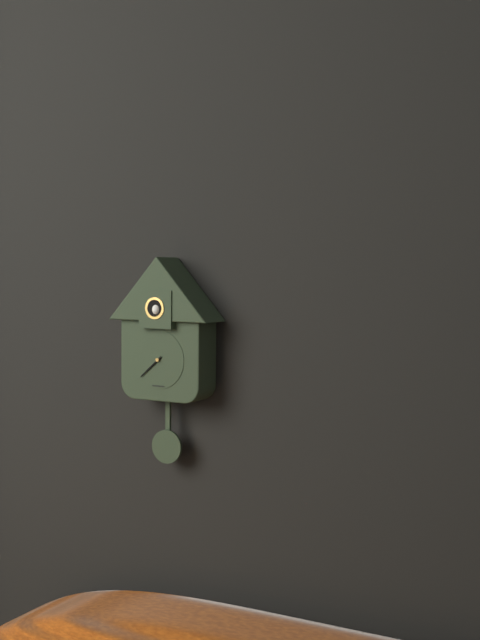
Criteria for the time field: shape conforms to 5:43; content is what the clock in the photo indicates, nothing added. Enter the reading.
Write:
7:38
